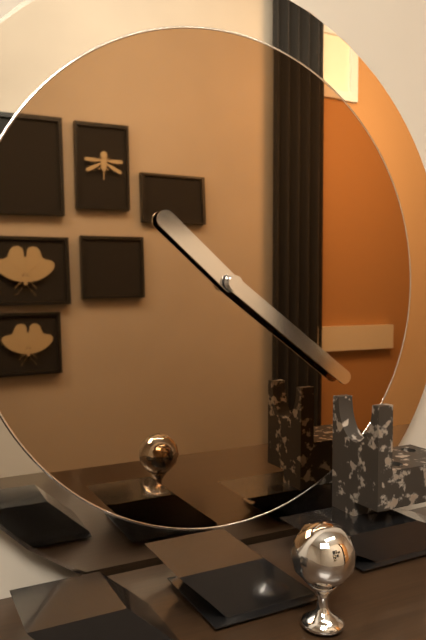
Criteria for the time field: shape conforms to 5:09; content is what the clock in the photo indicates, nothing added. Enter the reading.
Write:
10:21
